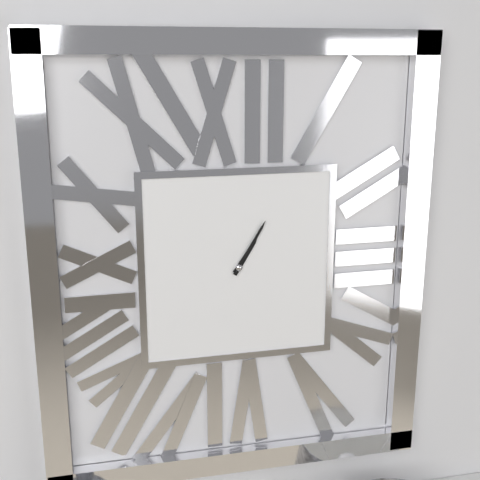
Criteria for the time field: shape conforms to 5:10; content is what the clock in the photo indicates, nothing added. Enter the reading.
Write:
1:05
